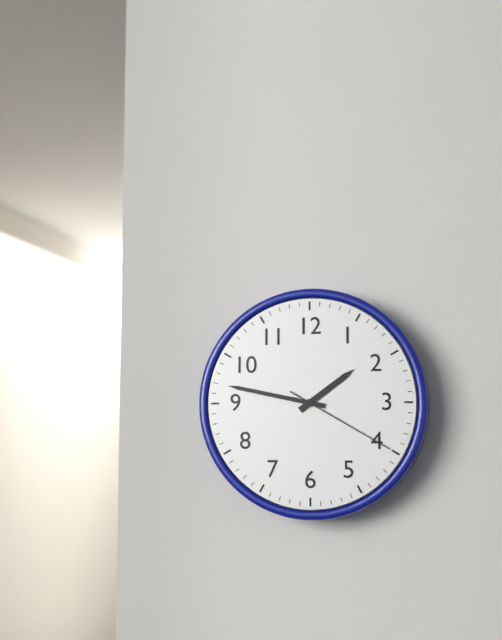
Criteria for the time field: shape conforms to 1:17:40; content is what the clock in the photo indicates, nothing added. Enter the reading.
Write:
1:47:20
